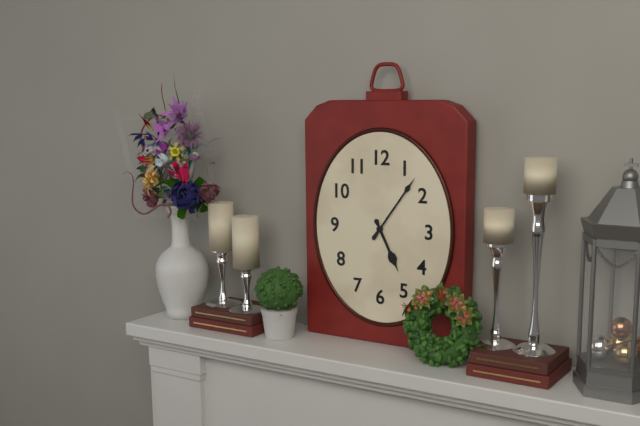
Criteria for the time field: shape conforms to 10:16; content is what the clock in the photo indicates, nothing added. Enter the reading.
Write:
5:06
